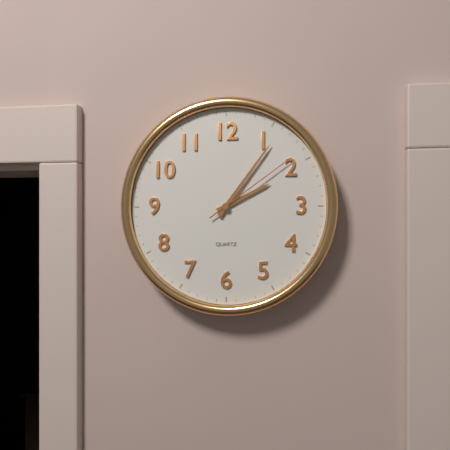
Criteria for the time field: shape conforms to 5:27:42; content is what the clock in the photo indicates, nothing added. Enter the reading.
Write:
2:06:09
